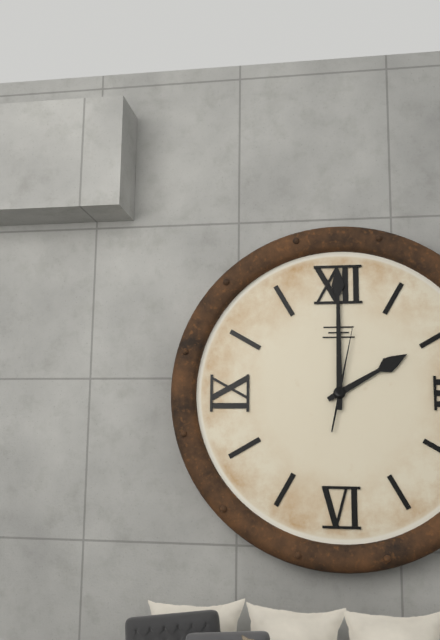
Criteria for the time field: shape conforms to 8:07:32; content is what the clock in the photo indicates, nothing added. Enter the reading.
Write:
2:00:02
